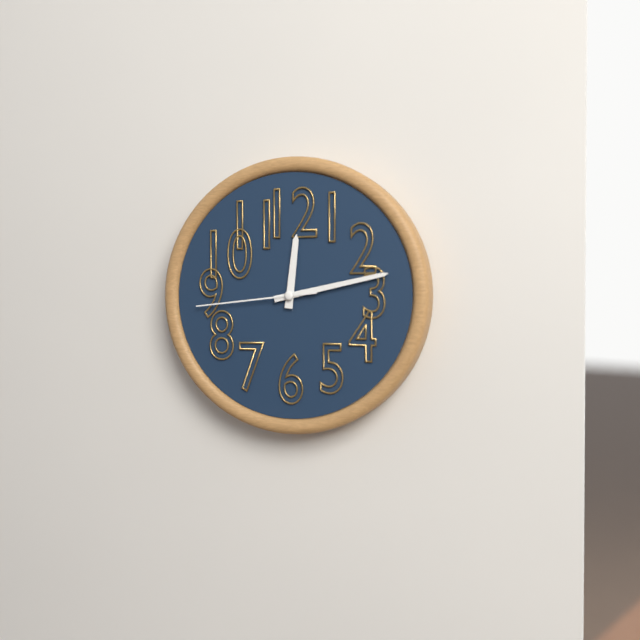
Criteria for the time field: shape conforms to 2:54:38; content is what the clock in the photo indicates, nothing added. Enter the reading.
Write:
12:13:44
